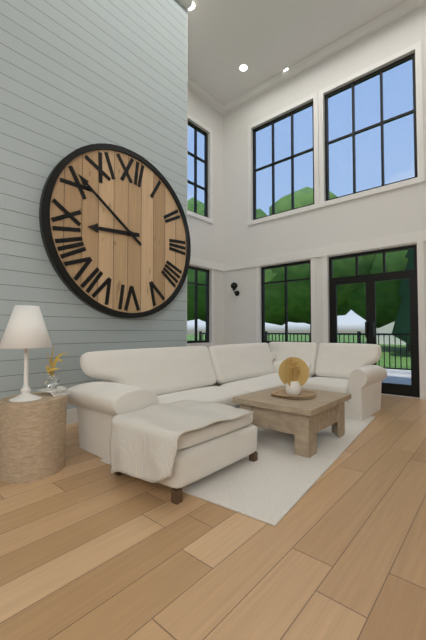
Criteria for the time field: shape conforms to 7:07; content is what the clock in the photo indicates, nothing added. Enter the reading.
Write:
8:51
